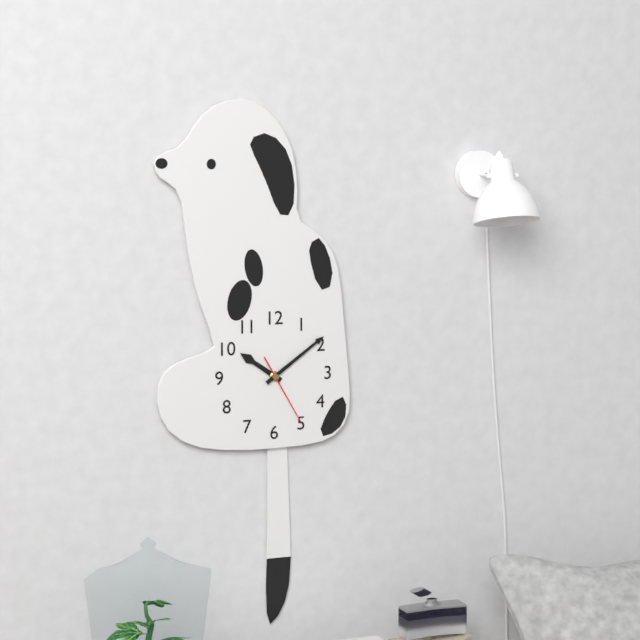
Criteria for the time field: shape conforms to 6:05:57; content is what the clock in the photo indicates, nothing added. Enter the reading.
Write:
10:09:25
